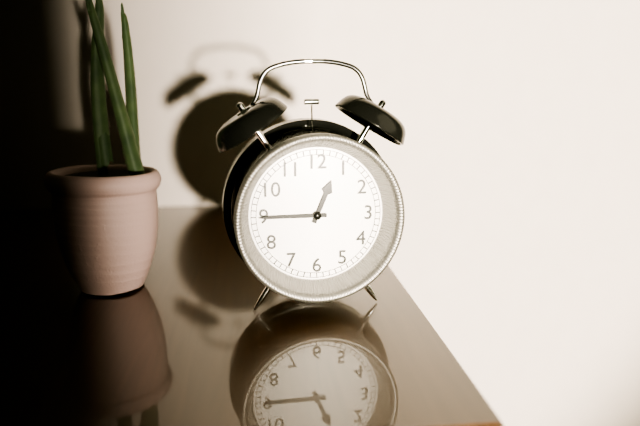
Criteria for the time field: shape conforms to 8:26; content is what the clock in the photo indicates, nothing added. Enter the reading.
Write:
12:45
